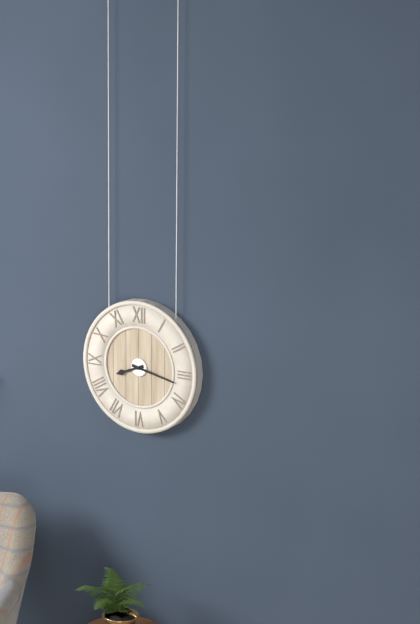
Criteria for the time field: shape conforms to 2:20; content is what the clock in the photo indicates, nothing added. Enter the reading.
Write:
8:17
